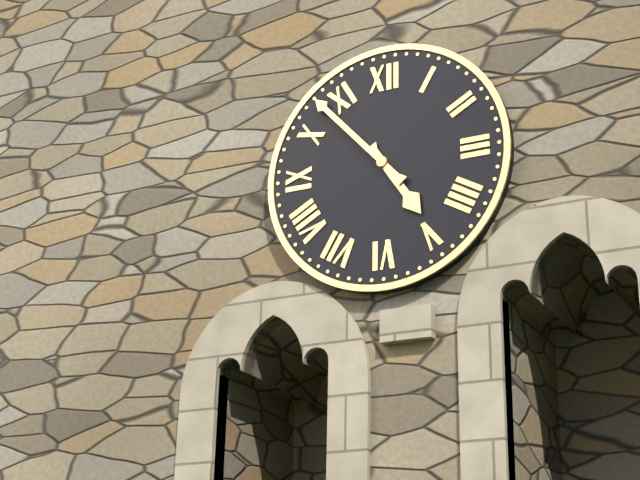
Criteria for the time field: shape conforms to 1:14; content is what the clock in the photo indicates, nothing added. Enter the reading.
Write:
4:53
